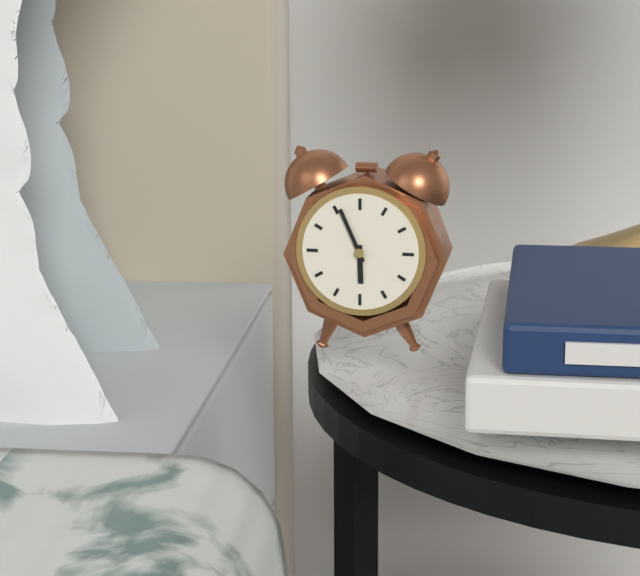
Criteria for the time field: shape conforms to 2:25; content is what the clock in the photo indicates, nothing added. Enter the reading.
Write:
5:56
